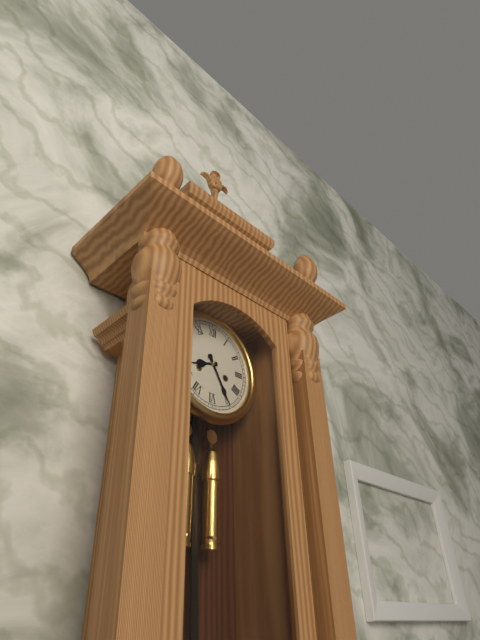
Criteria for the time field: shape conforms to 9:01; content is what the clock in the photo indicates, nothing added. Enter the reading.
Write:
8:25
